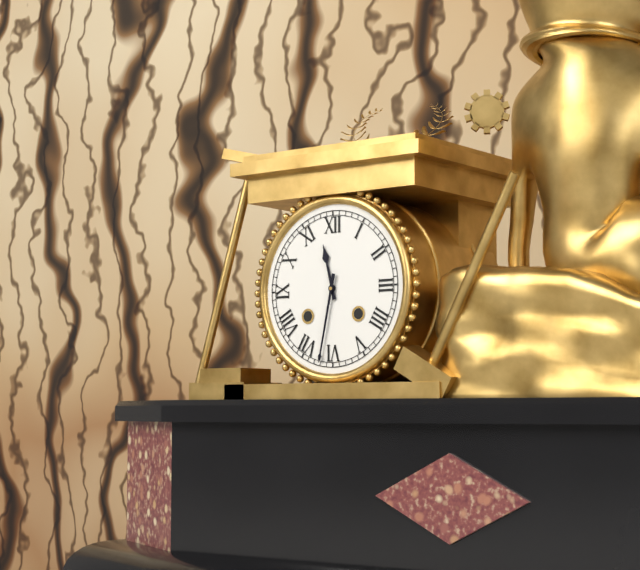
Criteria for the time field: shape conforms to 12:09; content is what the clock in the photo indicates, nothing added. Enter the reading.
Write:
11:32
